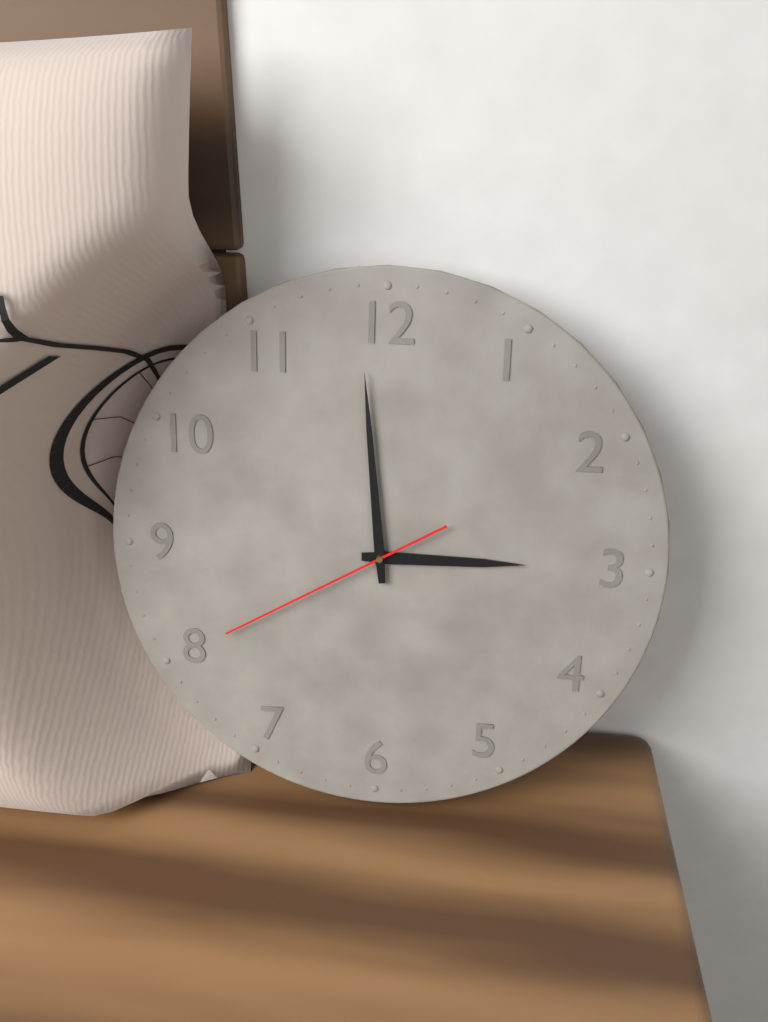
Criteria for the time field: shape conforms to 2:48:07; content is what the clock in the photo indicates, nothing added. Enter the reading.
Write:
2:59:40
